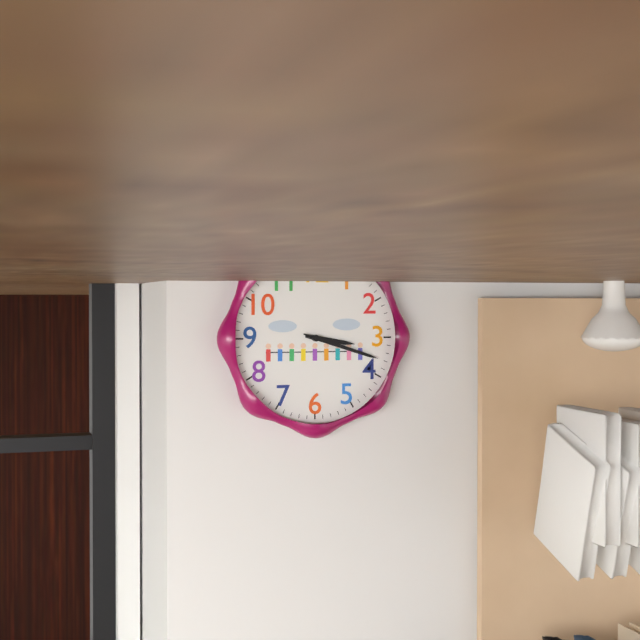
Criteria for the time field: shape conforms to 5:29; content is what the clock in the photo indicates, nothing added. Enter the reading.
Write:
3:18
